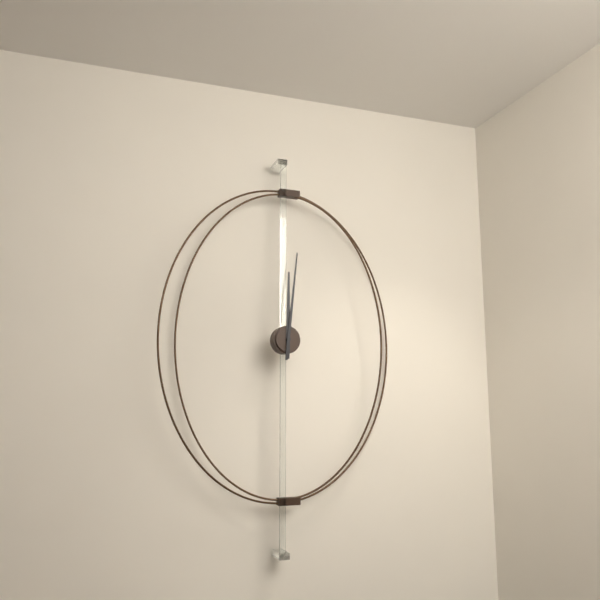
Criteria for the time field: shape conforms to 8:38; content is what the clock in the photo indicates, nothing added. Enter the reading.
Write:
12:01
